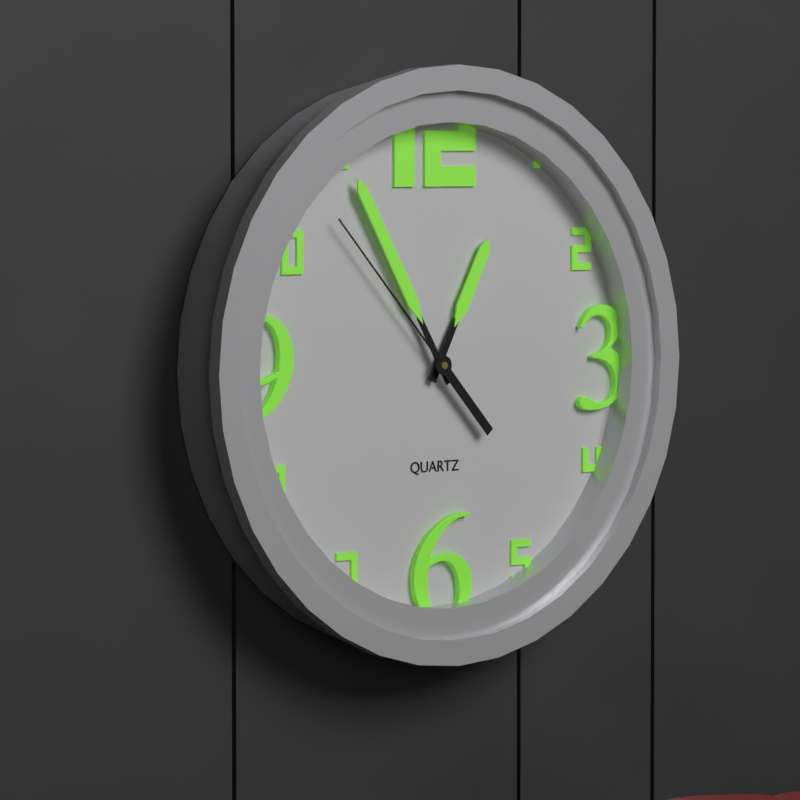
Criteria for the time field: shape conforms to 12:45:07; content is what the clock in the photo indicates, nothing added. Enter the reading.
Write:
12:55:53
